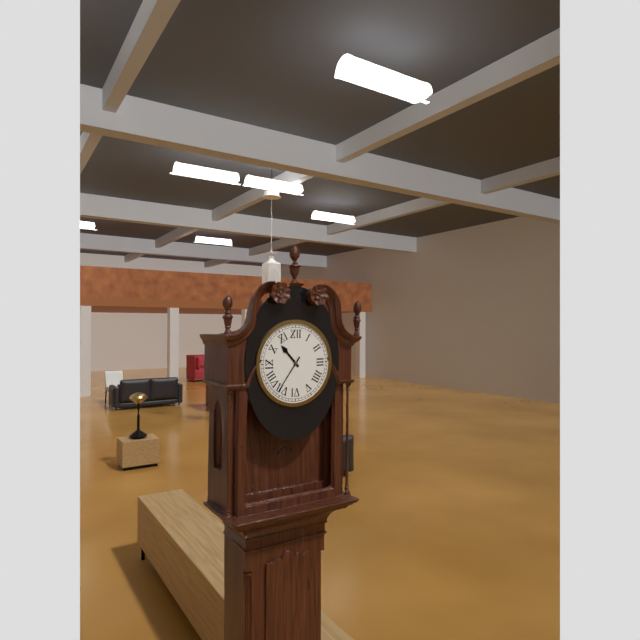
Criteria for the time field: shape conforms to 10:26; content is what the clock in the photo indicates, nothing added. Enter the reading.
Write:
10:36
